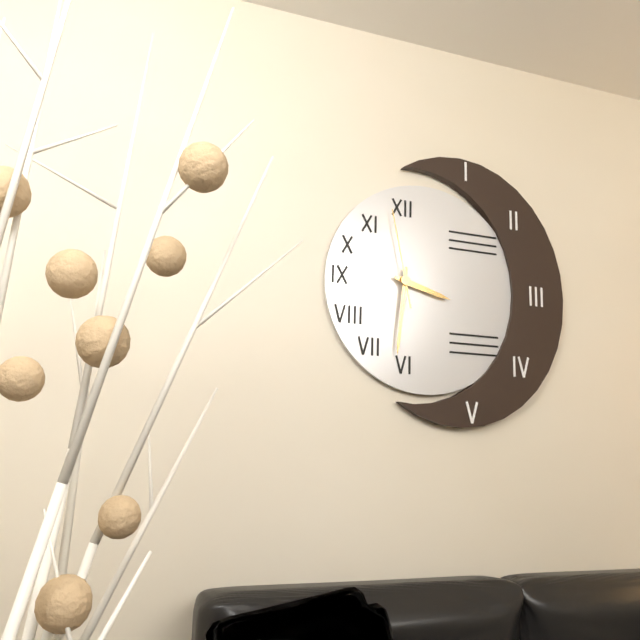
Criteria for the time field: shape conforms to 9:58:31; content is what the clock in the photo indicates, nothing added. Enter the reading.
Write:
3:31:58
